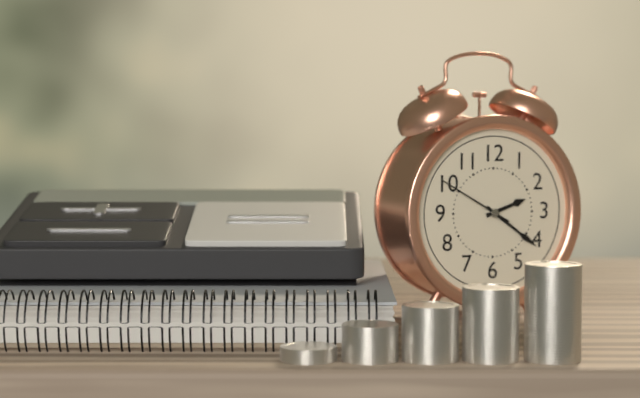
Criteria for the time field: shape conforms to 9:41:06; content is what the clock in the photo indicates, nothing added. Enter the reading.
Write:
2:21:50
